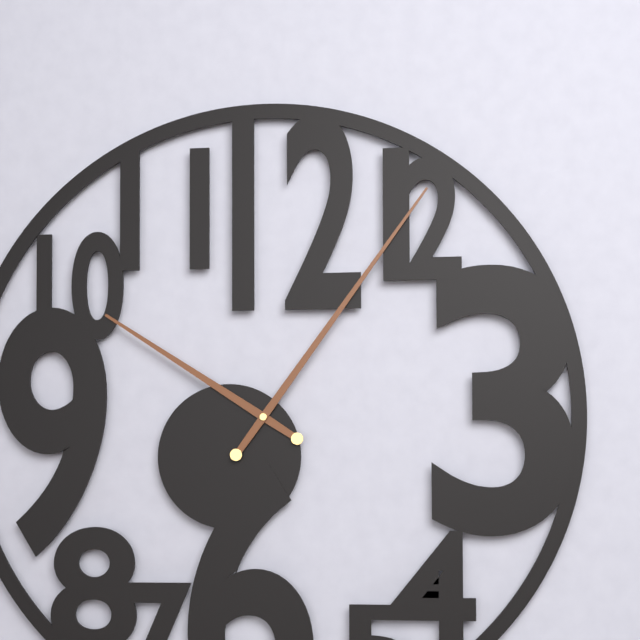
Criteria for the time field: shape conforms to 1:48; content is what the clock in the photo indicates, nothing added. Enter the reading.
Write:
10:06
